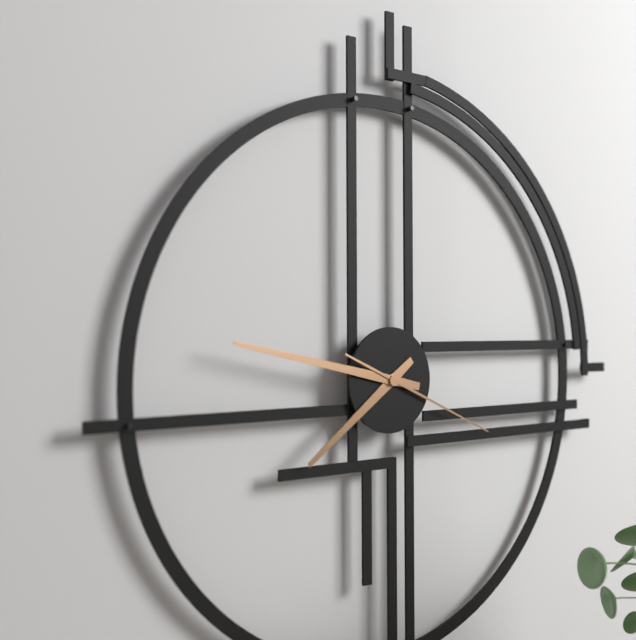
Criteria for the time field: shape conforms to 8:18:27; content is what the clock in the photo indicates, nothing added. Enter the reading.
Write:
7:47:19
